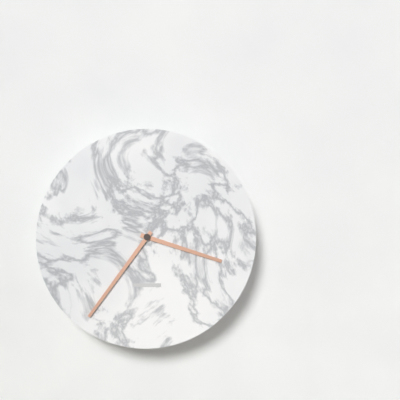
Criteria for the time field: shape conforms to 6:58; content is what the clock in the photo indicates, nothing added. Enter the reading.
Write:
3:36
